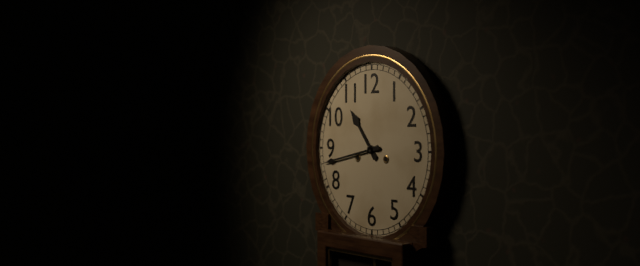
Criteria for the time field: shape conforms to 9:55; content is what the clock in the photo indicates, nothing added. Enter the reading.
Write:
10:43
